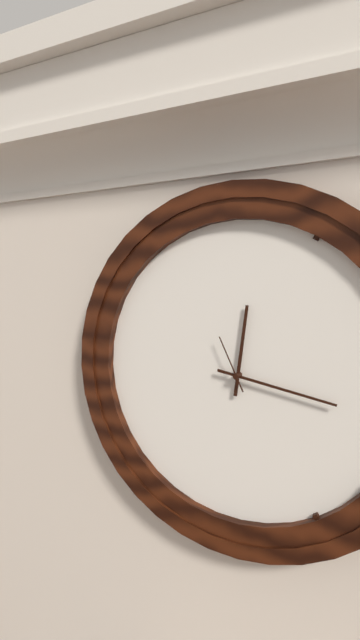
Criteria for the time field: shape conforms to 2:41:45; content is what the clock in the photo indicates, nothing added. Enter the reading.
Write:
12:17:56
